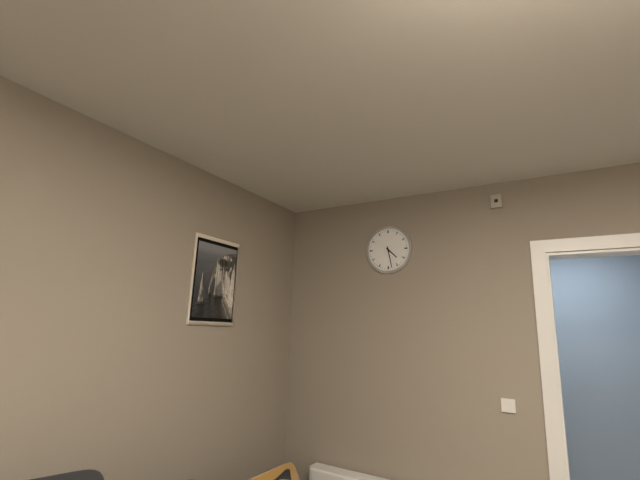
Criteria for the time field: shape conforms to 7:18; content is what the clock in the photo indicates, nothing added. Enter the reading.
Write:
4:28
